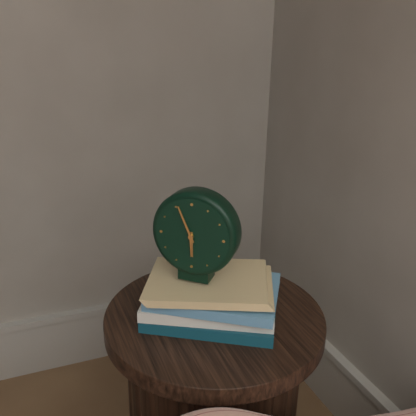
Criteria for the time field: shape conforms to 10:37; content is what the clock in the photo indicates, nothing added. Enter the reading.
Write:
5:56
